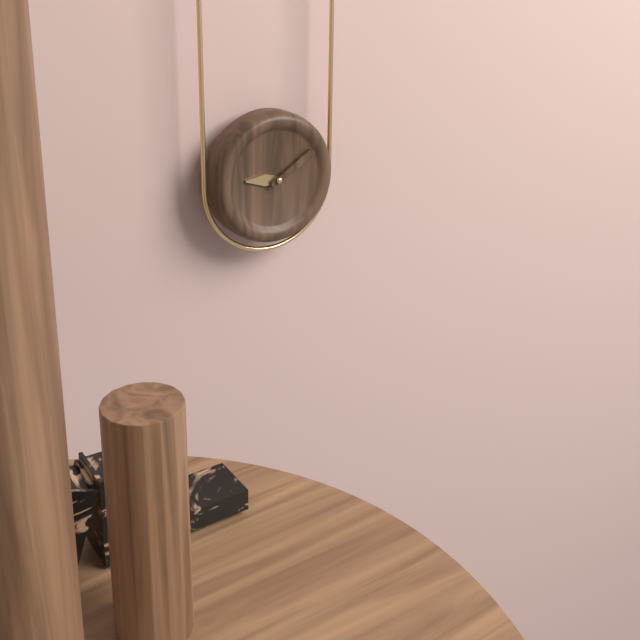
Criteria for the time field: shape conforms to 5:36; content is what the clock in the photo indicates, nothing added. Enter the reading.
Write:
9:10
